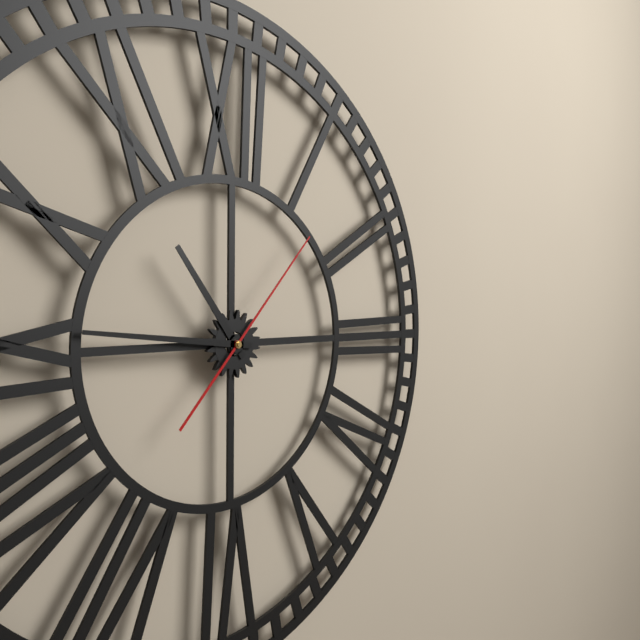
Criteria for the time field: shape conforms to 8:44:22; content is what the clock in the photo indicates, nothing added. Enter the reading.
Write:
10:46:07
